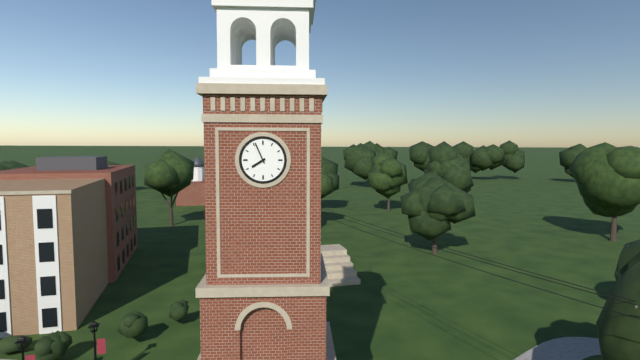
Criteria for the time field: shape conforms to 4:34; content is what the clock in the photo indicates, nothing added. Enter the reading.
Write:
7:56
